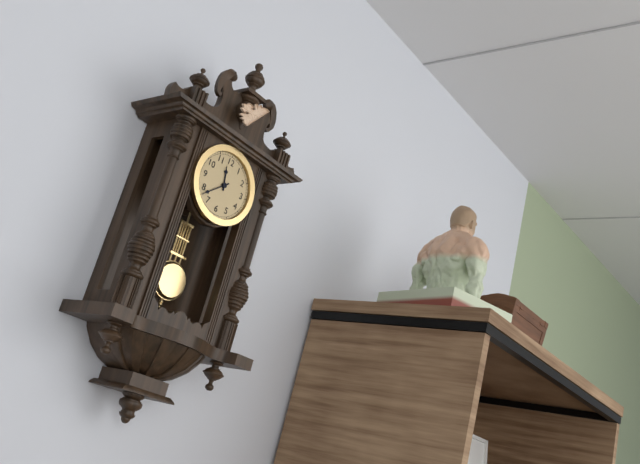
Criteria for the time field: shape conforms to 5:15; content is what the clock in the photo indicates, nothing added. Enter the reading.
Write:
11:38
